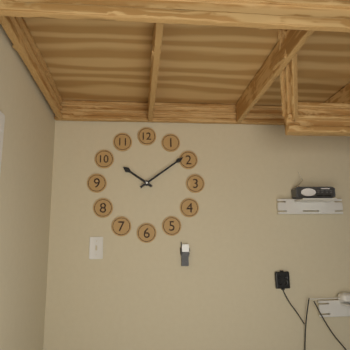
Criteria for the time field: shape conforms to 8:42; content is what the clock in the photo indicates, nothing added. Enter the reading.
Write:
10:09
